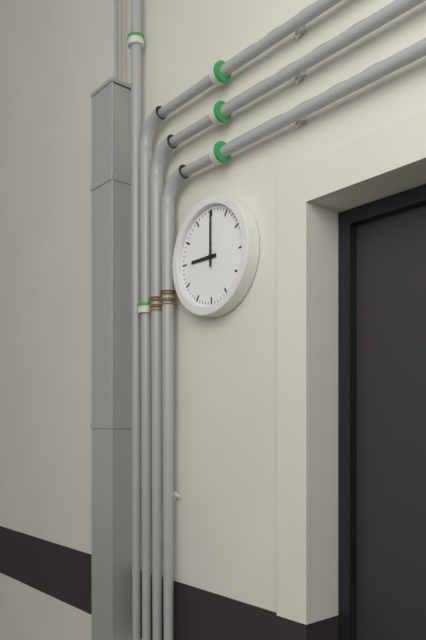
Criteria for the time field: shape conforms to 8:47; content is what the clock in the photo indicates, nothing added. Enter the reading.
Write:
9:00
